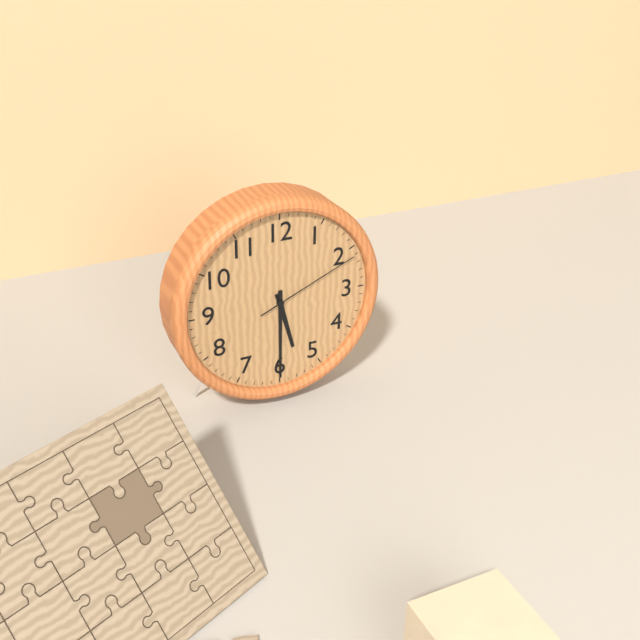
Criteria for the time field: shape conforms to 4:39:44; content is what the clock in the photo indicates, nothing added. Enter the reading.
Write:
5:30:11
